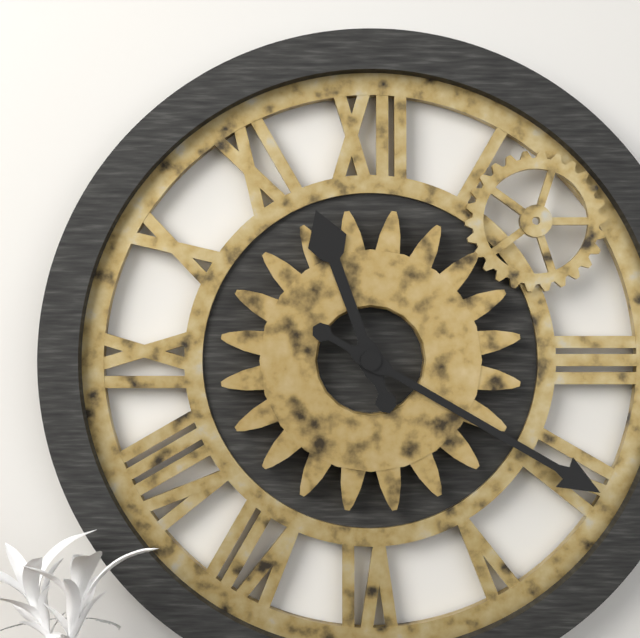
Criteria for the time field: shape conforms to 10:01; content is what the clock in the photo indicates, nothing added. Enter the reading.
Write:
11:20
